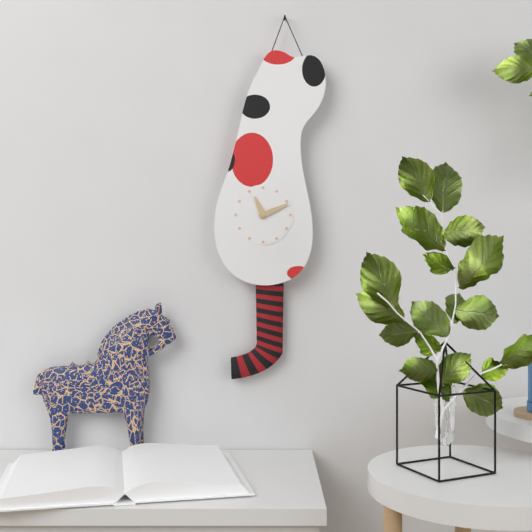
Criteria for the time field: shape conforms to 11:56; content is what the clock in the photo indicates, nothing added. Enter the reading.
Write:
11:11
